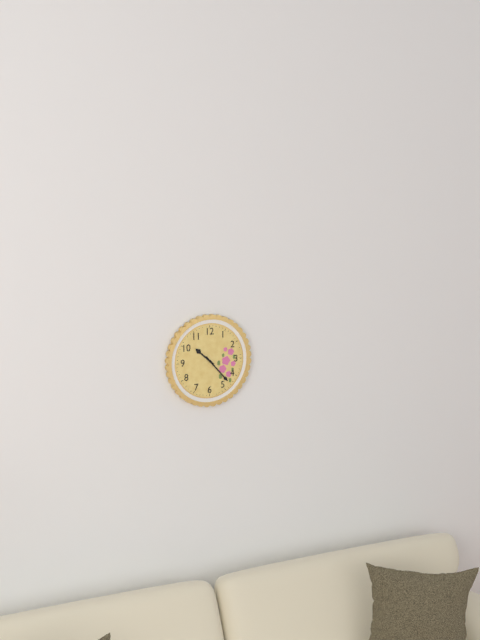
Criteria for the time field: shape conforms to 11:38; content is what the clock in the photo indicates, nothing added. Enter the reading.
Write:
10:23
